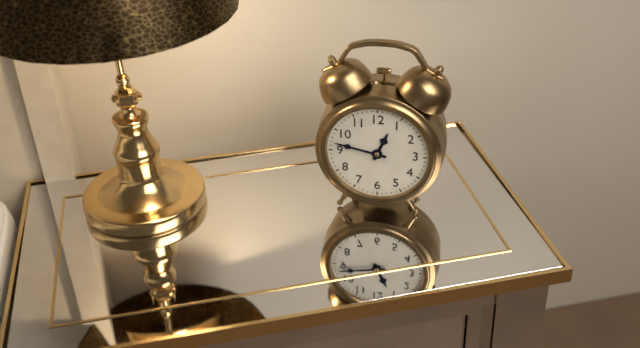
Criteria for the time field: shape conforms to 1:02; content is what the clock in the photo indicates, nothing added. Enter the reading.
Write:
12:47
